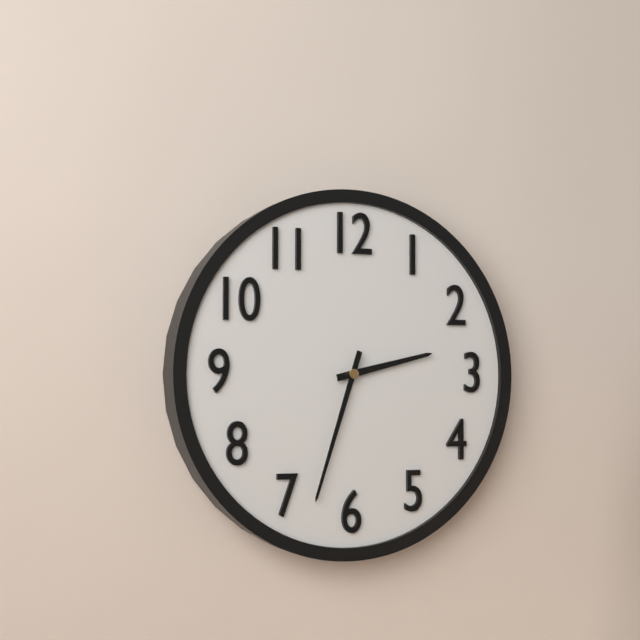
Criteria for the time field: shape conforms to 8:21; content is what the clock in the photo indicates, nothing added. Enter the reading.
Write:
2:33
